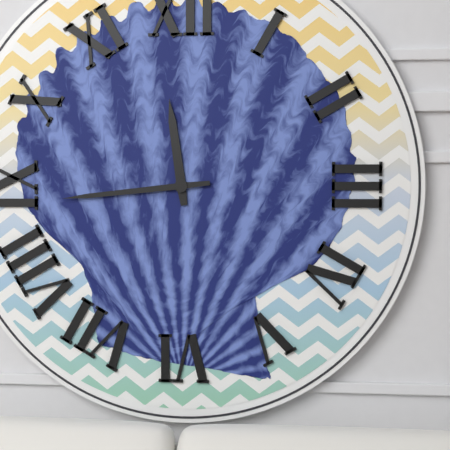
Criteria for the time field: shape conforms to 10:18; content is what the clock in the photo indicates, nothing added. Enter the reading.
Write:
11:44
